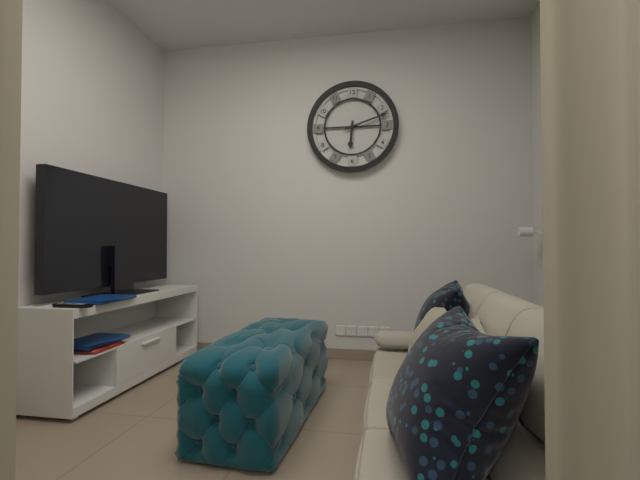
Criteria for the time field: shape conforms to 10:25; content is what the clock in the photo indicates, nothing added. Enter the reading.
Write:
6:12
